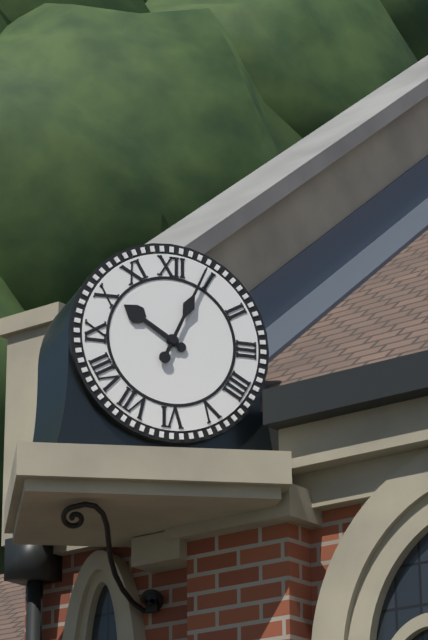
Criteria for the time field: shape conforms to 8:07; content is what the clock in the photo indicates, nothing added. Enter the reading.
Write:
10:04
